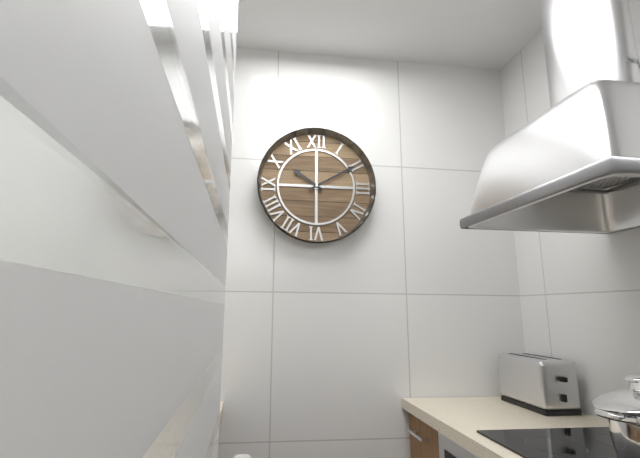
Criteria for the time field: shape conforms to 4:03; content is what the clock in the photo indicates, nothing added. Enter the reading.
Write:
10:10
